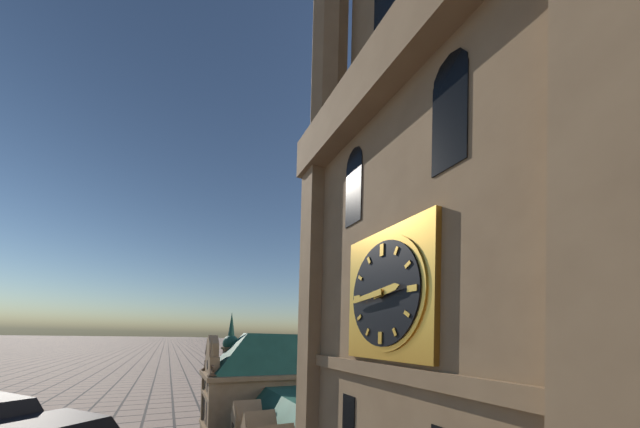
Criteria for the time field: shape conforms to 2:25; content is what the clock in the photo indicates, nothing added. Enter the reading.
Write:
2:44
